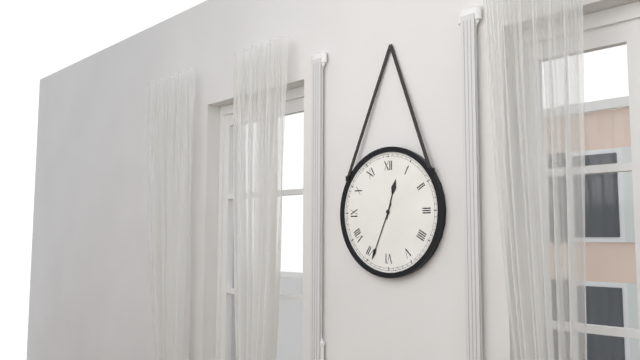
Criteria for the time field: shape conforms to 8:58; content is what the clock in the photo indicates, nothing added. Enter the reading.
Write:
12:34
